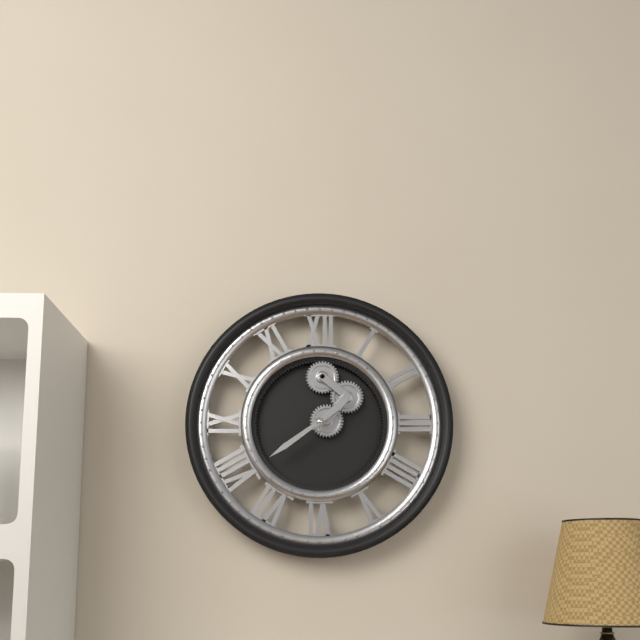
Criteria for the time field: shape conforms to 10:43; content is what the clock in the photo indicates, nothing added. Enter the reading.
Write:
1:39
